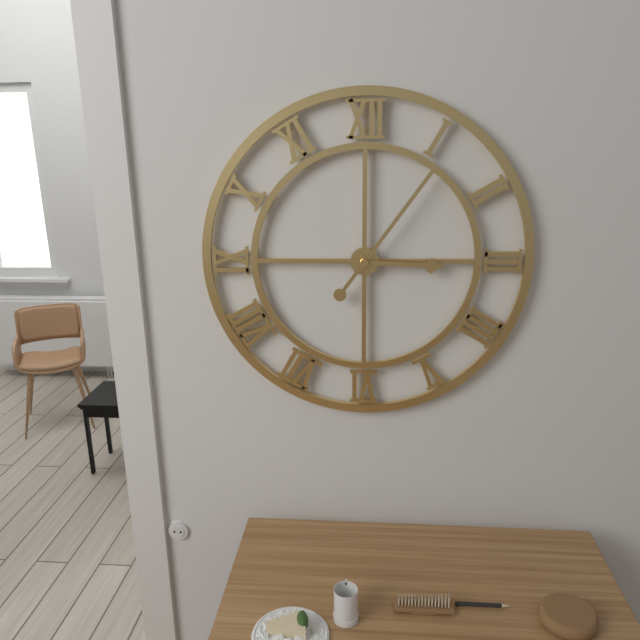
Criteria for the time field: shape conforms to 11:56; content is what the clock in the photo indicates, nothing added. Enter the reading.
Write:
3:06
